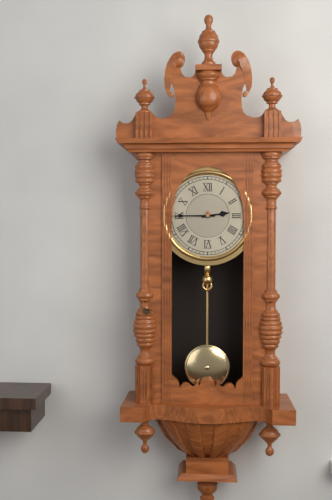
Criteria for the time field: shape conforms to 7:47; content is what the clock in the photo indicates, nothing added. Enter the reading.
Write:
2:45
